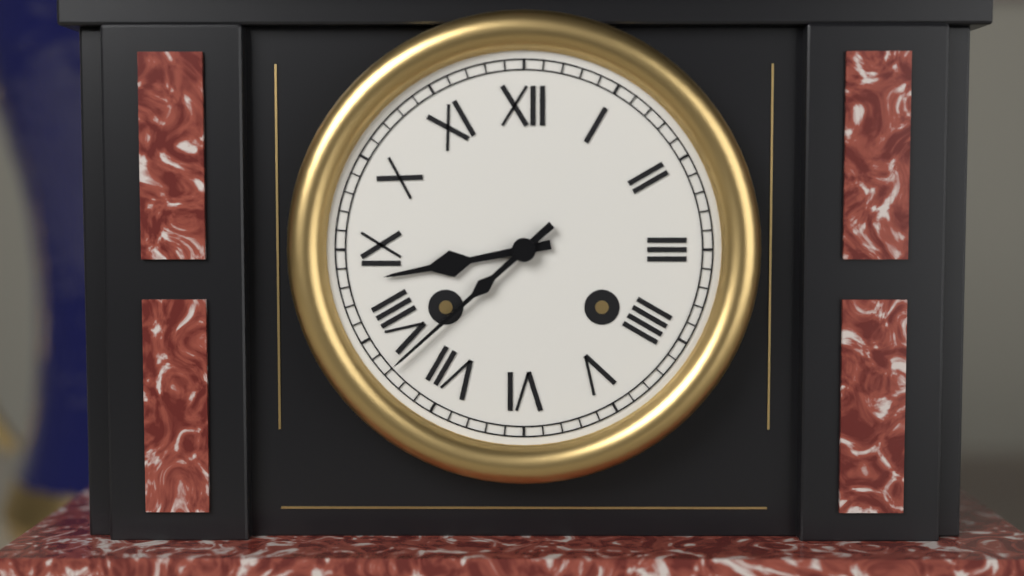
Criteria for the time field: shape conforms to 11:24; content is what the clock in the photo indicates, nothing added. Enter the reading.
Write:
8:38
